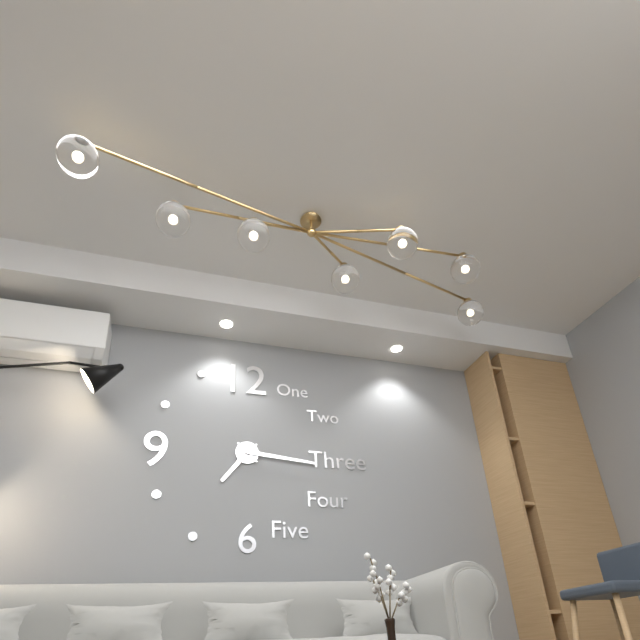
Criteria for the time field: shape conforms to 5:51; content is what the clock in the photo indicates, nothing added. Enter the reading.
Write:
7:16
